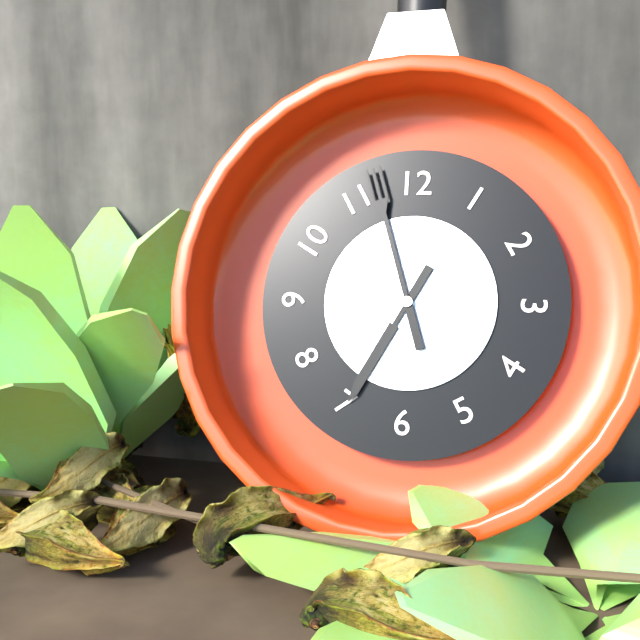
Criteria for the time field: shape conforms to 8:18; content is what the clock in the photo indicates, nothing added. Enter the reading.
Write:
6:57
